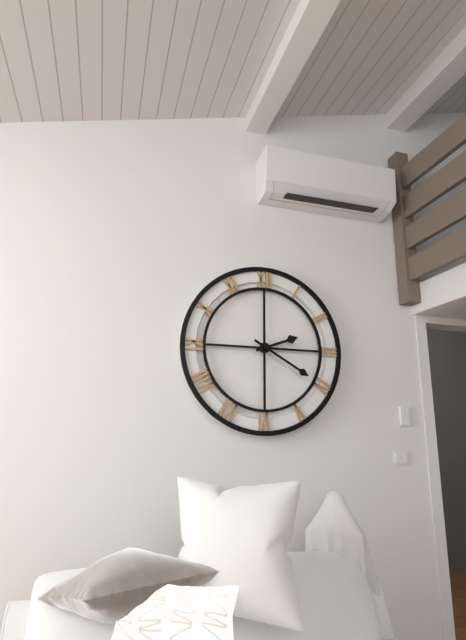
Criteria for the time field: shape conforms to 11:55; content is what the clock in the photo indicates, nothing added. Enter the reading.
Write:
2:20
